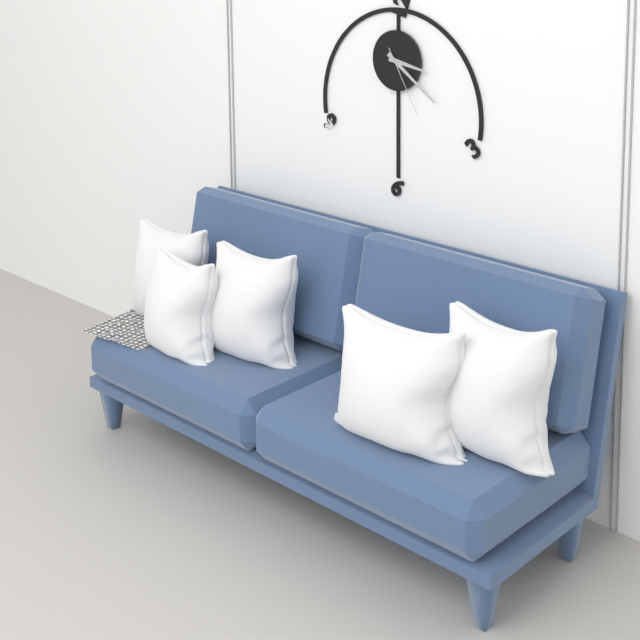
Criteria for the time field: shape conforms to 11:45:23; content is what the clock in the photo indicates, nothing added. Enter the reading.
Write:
3:21:25
